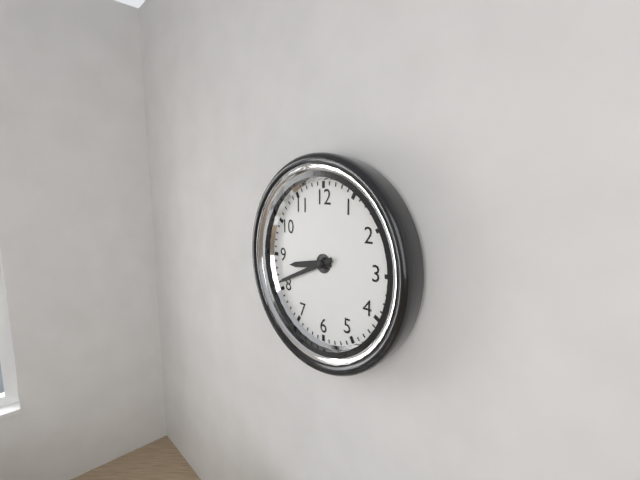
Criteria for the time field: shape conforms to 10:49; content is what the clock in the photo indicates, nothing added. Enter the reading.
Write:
8:41
